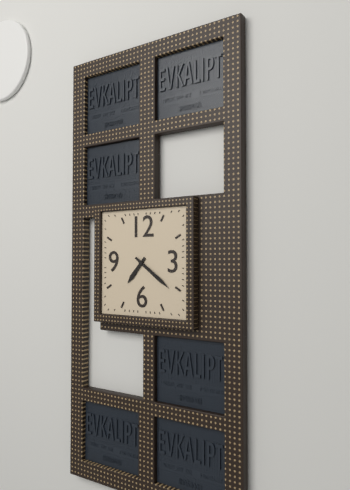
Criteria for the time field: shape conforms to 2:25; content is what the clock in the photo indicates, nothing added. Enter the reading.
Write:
7:21
